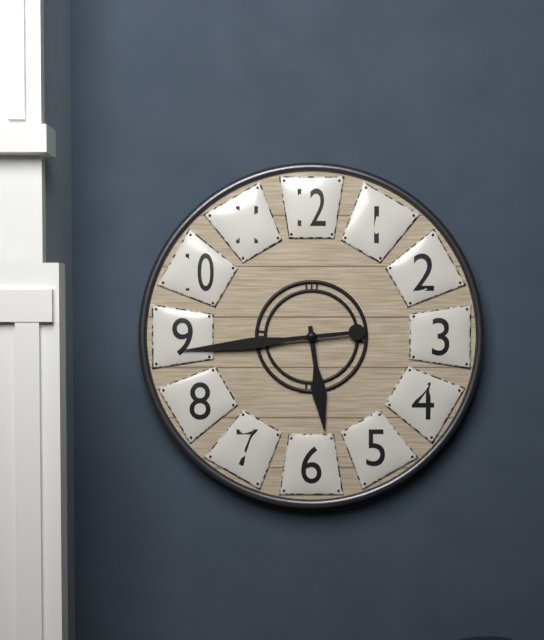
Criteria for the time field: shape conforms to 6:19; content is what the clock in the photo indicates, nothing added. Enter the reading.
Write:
5:44
